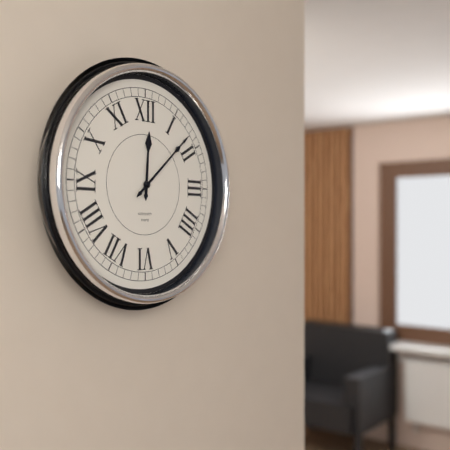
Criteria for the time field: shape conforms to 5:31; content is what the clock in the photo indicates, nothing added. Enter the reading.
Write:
12:08
